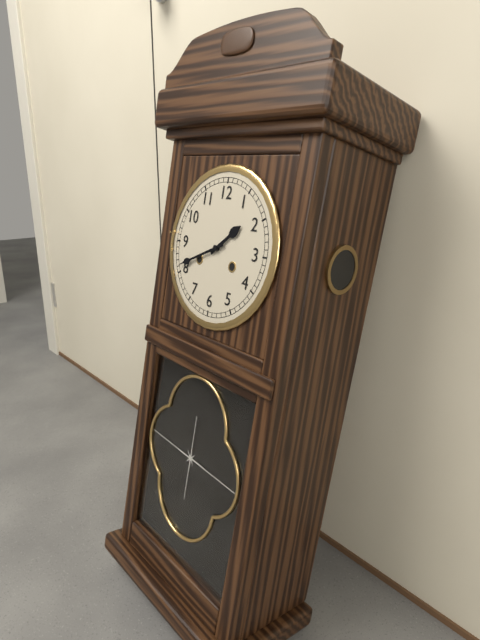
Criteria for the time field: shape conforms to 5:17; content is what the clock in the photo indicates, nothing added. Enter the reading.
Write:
1:41
